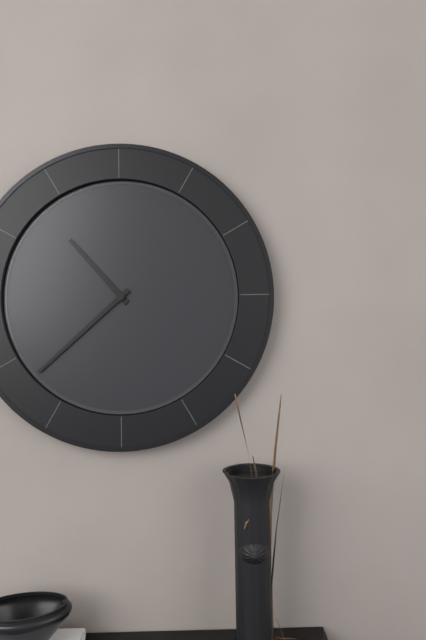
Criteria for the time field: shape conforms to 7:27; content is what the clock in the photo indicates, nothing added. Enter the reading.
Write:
10:38
